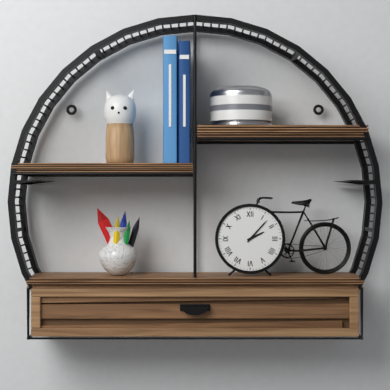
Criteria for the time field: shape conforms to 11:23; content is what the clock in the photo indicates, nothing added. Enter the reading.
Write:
2:07
